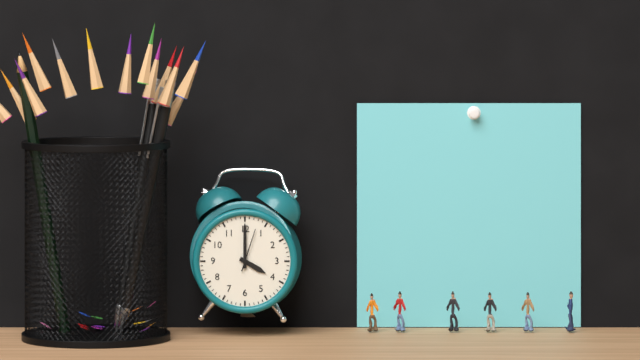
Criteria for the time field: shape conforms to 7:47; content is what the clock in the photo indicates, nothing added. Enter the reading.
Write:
4:00
